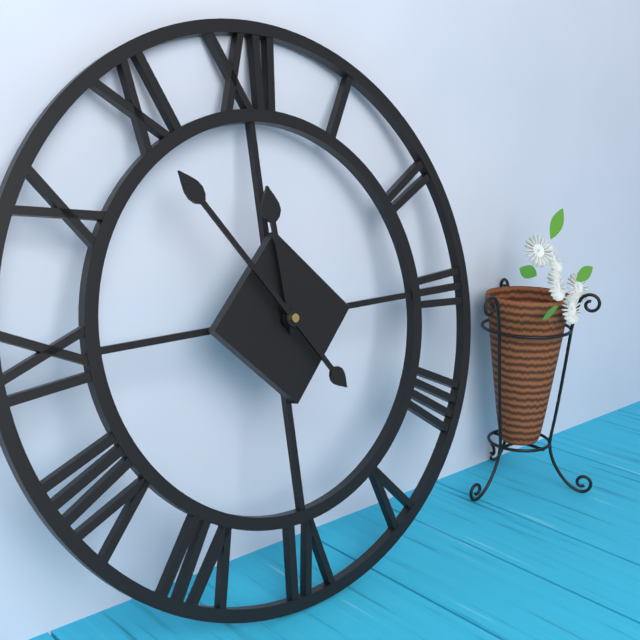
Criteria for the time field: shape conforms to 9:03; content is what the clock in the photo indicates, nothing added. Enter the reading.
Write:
11:54
